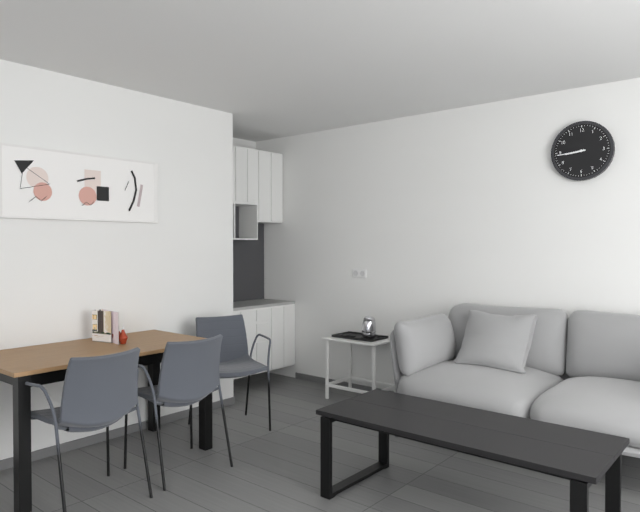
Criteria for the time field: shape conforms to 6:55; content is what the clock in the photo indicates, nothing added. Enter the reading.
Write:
8:44
